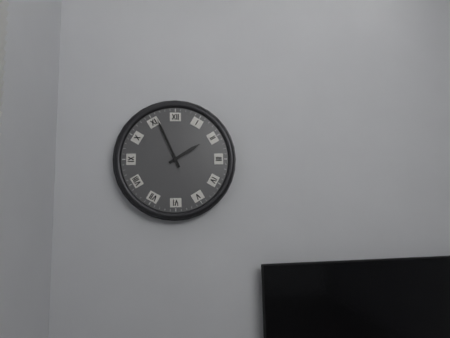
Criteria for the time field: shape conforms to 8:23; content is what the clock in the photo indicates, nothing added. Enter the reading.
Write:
1:56
